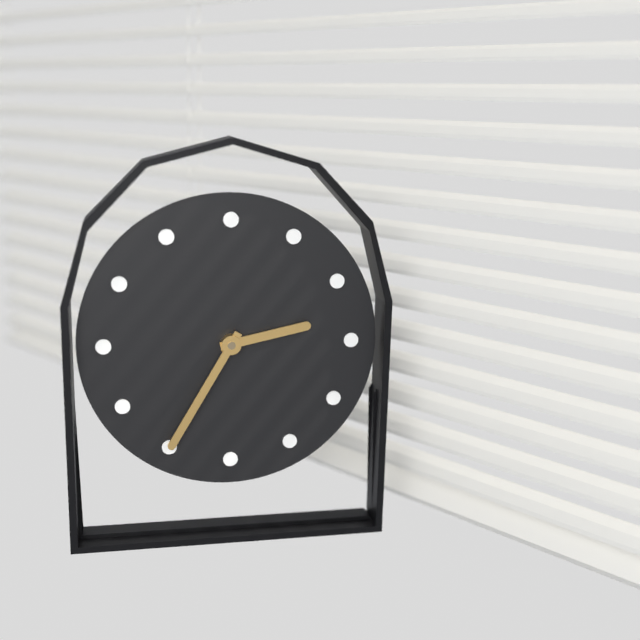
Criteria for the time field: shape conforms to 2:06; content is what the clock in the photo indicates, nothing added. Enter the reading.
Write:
2:35
